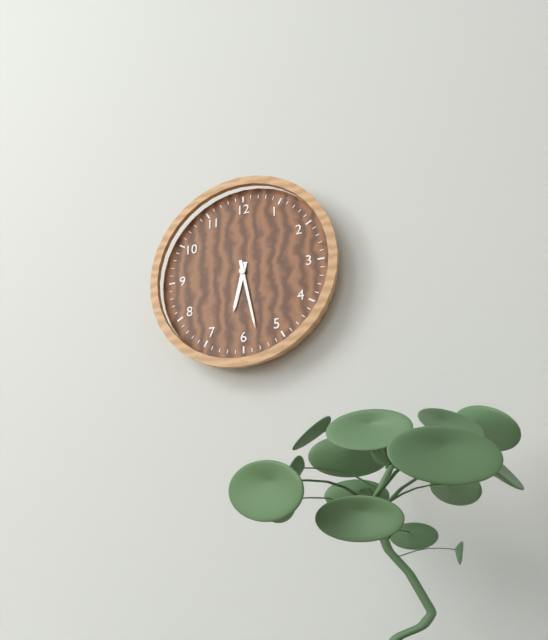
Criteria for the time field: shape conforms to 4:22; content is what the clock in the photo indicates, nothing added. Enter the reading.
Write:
6:28
